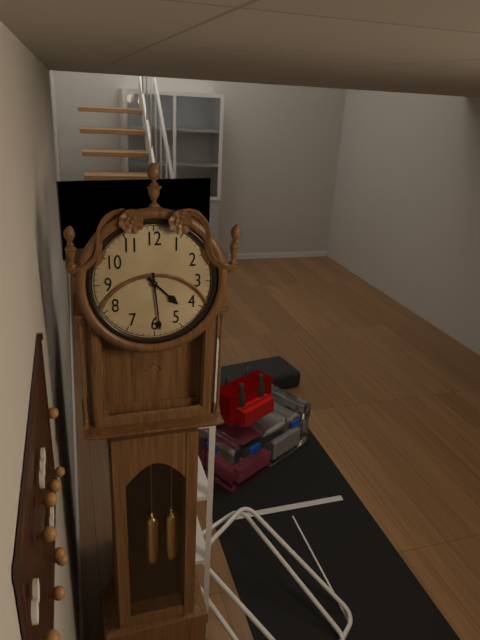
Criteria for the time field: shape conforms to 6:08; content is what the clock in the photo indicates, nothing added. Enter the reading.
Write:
4:29
